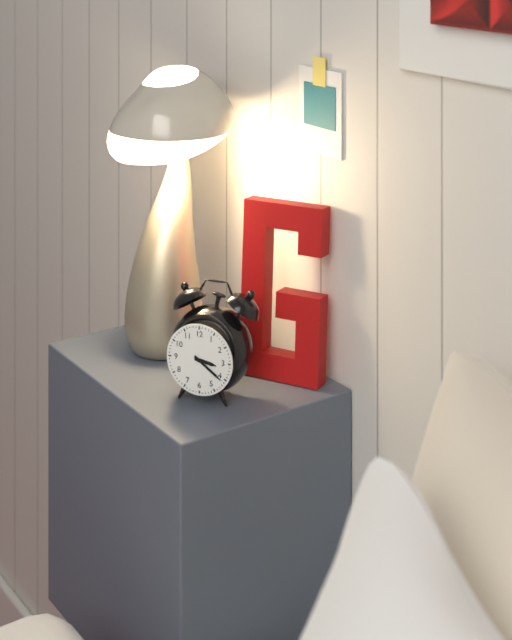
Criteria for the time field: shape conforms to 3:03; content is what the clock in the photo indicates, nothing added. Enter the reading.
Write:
3:21
